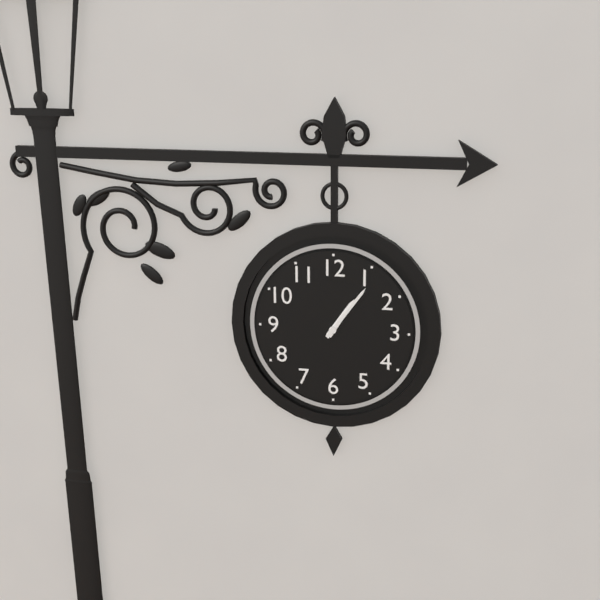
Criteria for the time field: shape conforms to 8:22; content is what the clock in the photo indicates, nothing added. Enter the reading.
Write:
1:06
